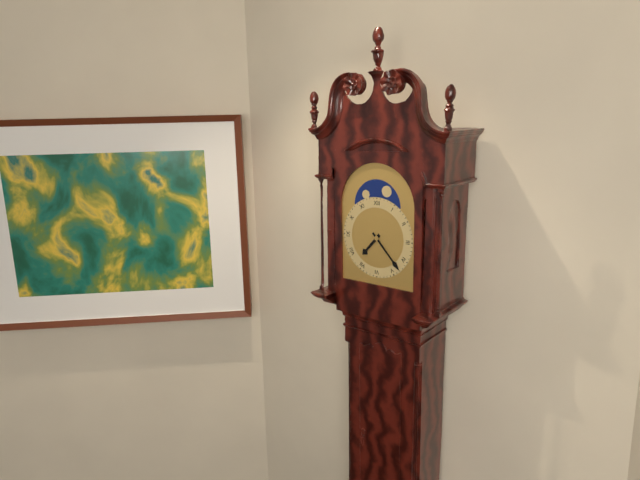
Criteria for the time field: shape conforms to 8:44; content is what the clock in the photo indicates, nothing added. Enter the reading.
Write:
7:23
